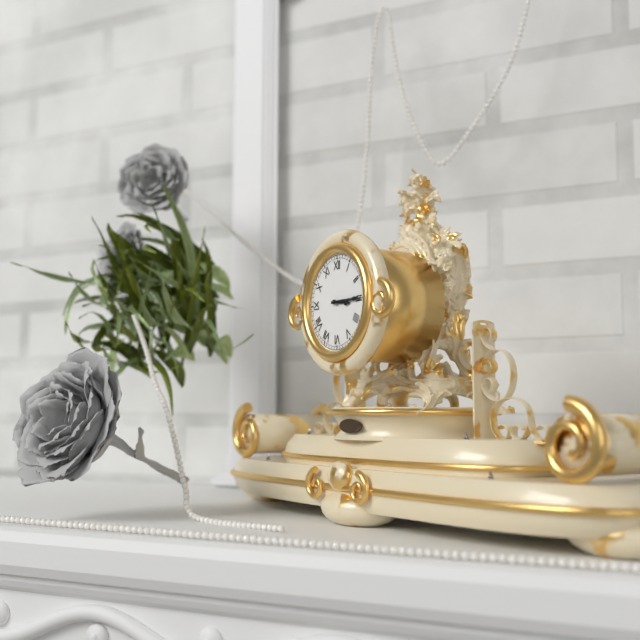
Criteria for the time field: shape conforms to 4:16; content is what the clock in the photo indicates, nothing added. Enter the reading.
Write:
3:15
